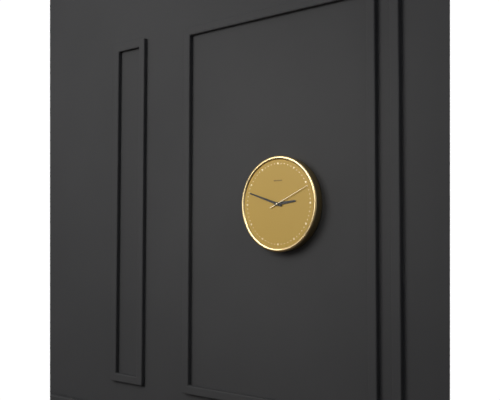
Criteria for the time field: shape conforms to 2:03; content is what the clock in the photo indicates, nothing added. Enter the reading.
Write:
2:48
